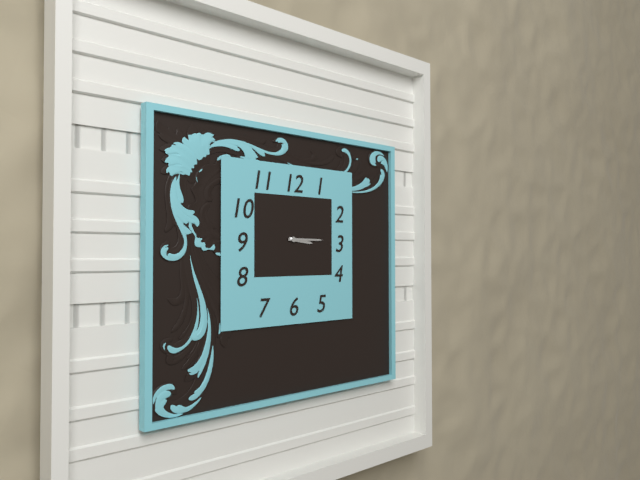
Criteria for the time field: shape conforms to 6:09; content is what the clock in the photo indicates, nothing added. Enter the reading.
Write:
3:15
